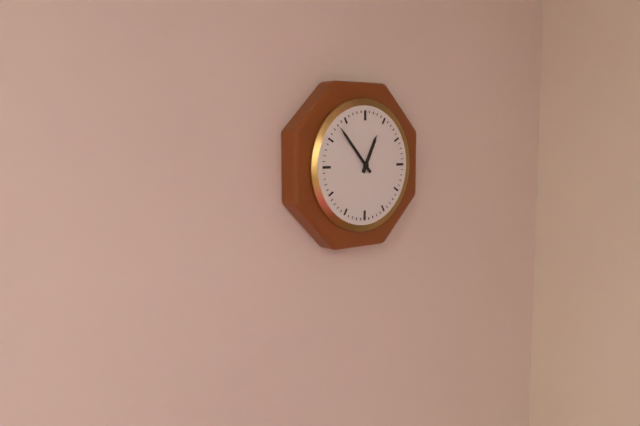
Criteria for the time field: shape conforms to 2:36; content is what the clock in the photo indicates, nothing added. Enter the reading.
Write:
12:53
